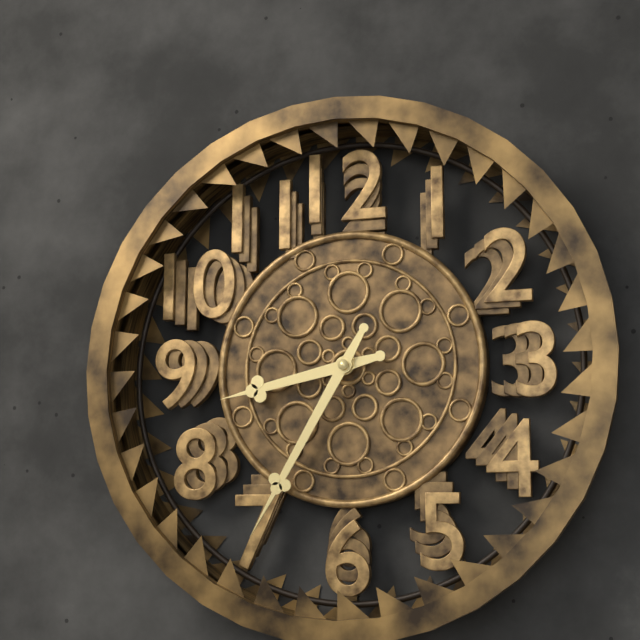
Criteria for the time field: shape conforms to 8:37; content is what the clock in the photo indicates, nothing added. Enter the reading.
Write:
8:35
